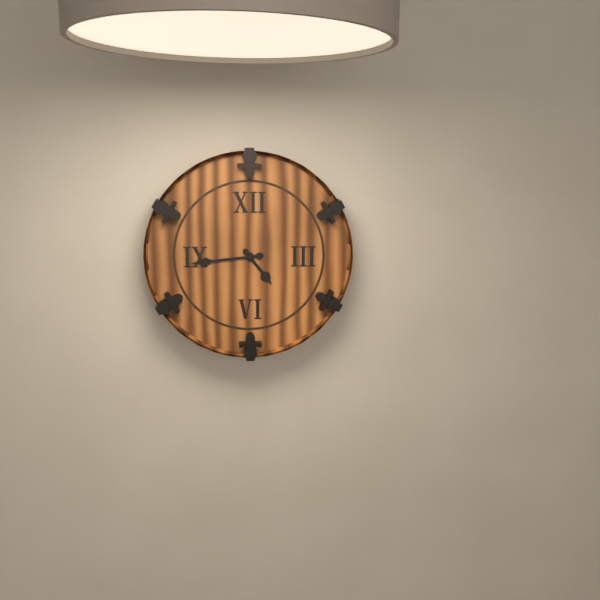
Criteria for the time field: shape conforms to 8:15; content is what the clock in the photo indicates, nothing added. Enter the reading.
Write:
4:44
